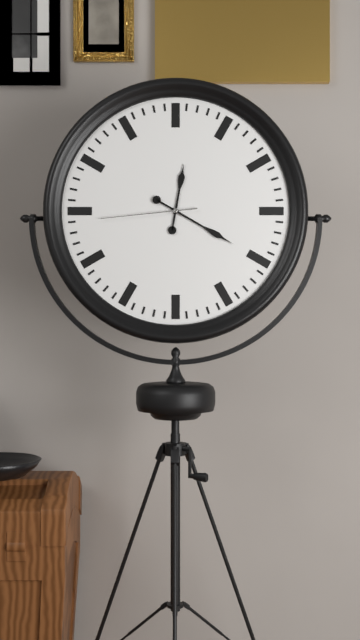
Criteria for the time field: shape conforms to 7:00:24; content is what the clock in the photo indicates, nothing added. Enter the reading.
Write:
12:20:44
